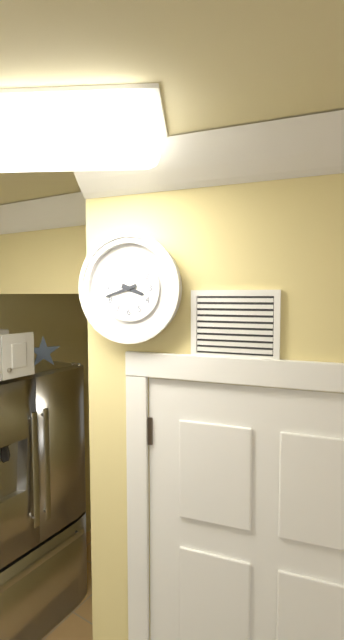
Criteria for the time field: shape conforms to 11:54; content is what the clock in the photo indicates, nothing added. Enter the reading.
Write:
3:42
